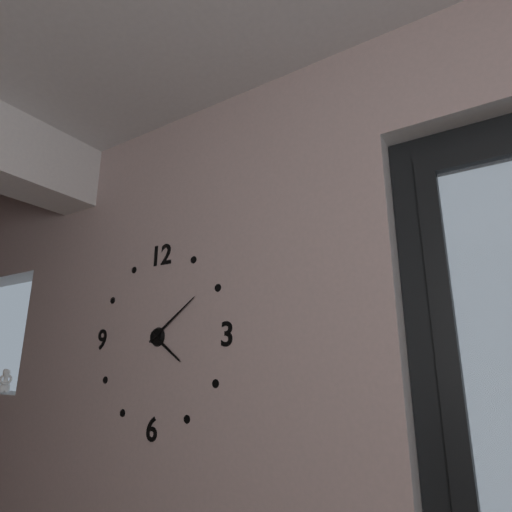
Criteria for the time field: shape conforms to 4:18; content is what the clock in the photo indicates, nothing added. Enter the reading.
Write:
4:09
